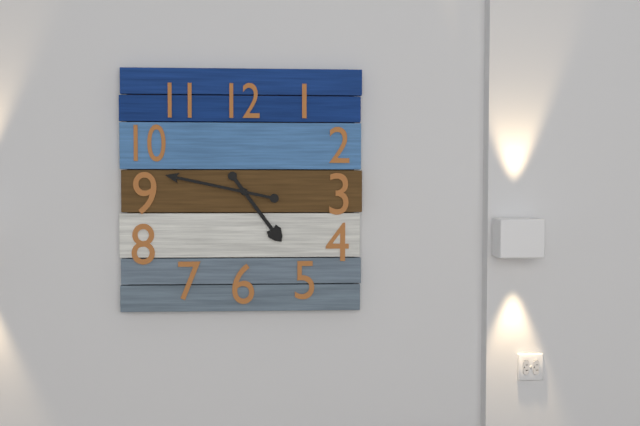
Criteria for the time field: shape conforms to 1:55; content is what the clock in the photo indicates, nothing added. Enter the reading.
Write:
4:47
